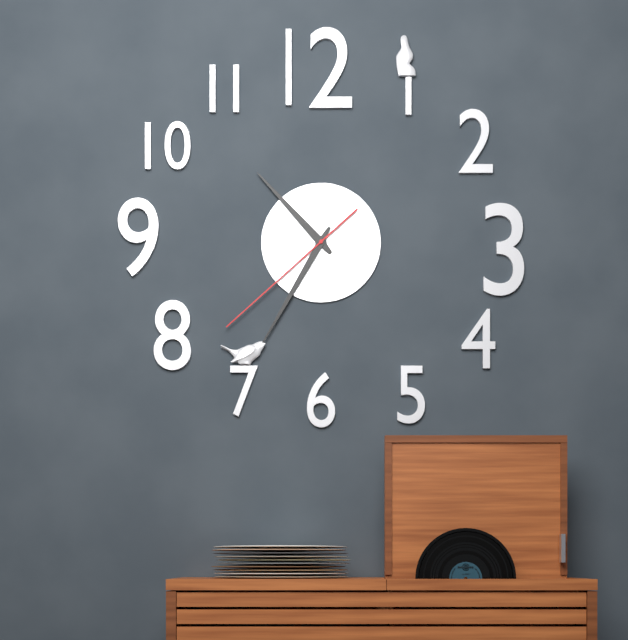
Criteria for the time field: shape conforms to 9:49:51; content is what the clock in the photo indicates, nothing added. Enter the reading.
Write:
10:35:38
